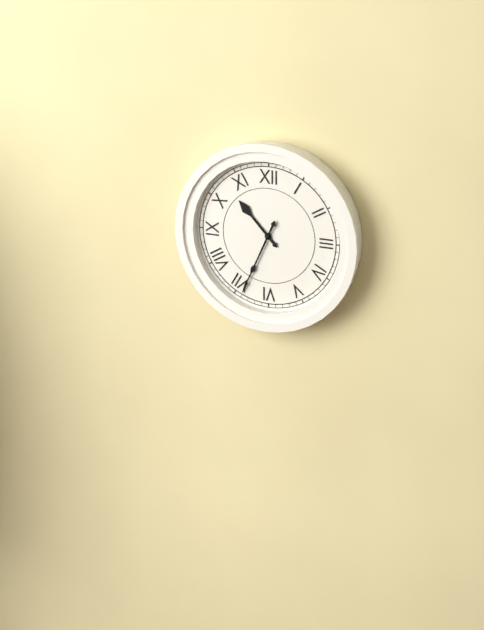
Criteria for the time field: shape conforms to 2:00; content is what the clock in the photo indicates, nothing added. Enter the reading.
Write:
10:34
